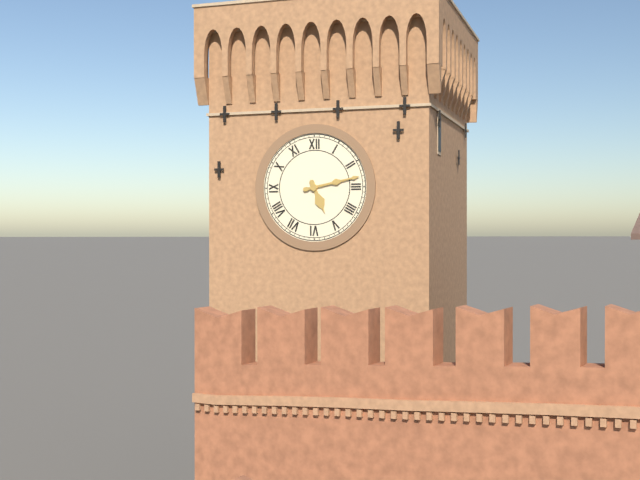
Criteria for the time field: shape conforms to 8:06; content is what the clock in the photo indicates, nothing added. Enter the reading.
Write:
5:13
